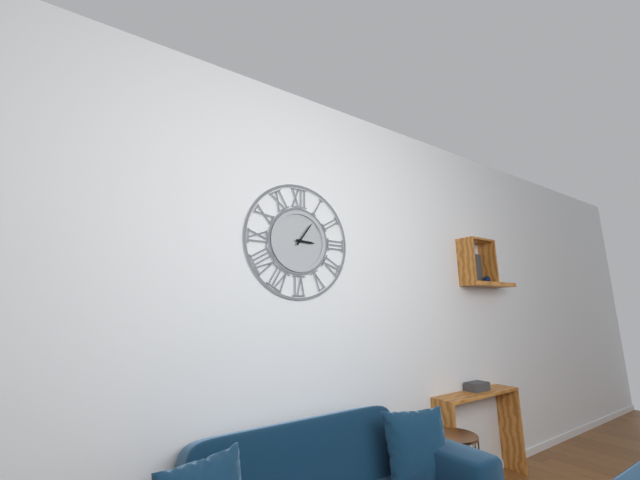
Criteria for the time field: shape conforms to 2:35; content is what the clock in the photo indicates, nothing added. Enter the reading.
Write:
3:06
